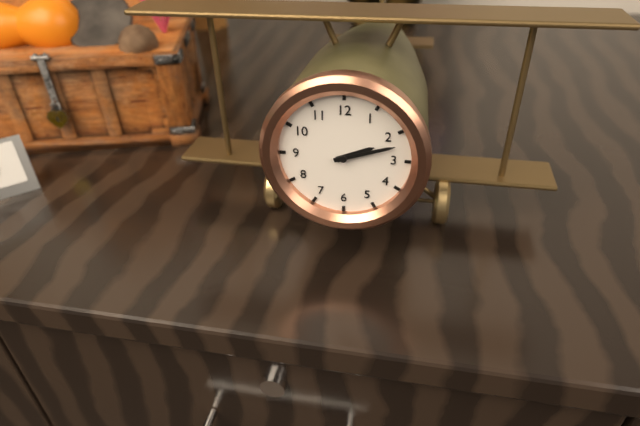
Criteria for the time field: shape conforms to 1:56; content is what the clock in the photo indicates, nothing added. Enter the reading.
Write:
2:12
